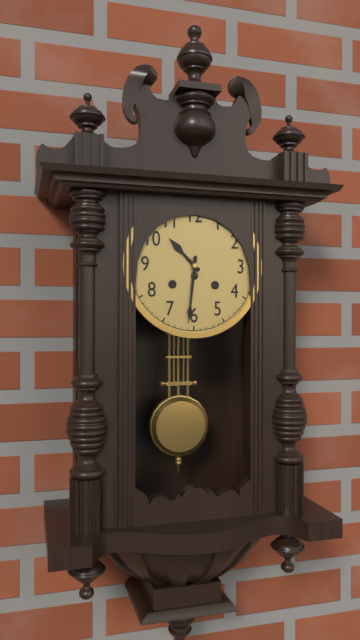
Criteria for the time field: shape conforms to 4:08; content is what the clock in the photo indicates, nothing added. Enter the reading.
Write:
10:31
